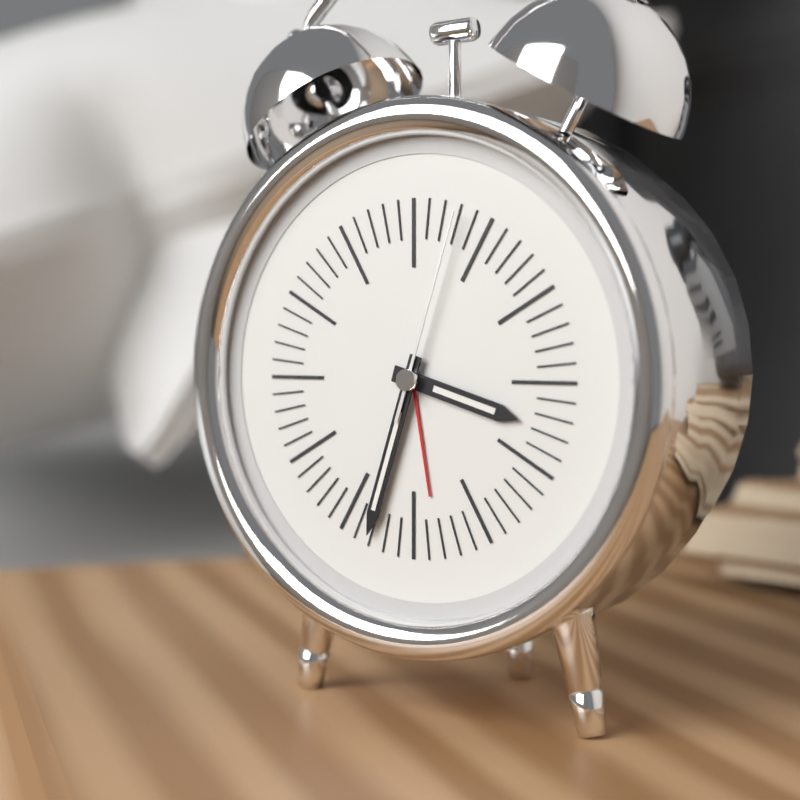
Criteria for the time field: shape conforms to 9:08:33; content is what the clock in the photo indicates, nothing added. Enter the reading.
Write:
3:33:03
